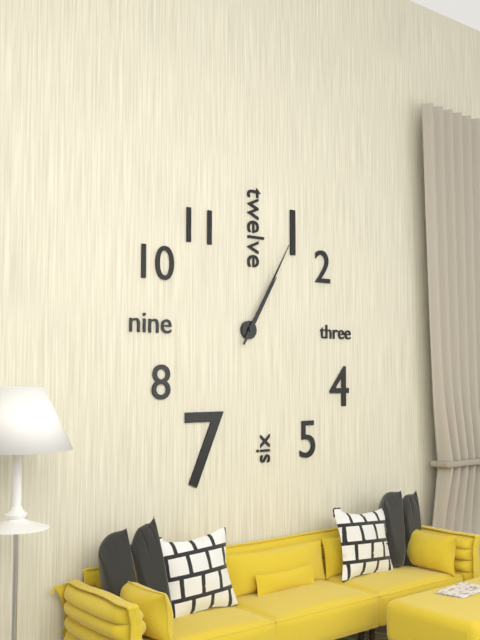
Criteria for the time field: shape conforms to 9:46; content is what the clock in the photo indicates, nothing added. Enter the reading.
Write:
1:05
